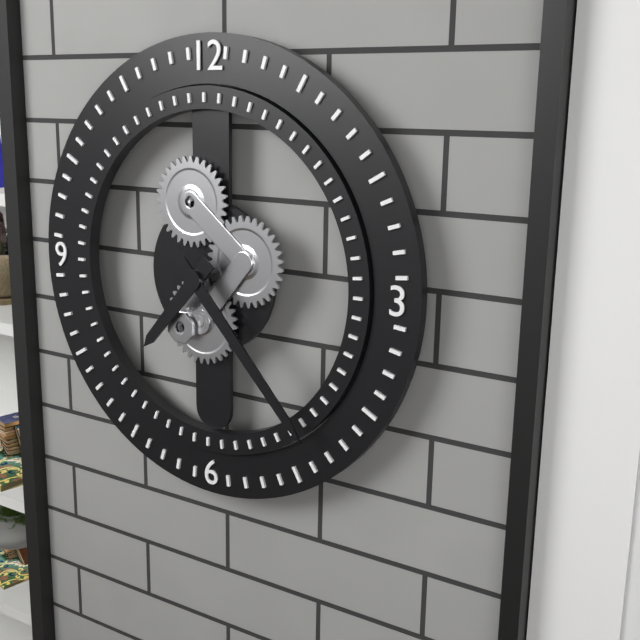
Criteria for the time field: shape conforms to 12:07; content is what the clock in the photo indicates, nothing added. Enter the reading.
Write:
7:23
